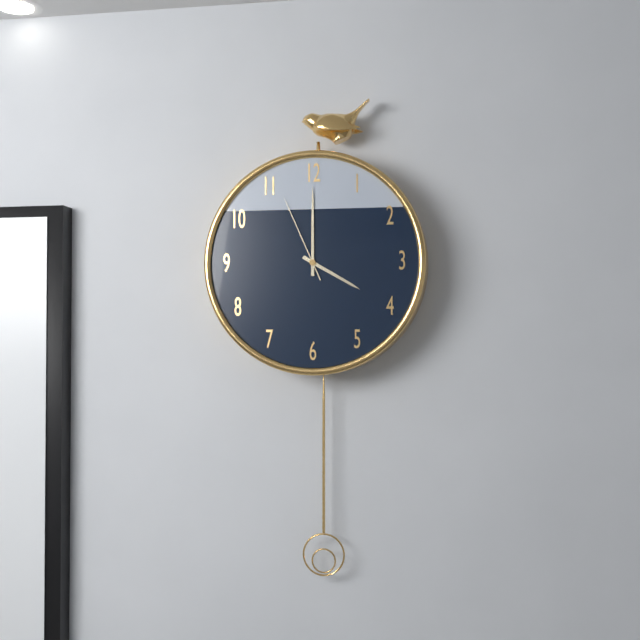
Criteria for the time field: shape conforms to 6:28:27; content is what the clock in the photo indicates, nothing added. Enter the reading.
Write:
4:00:56
